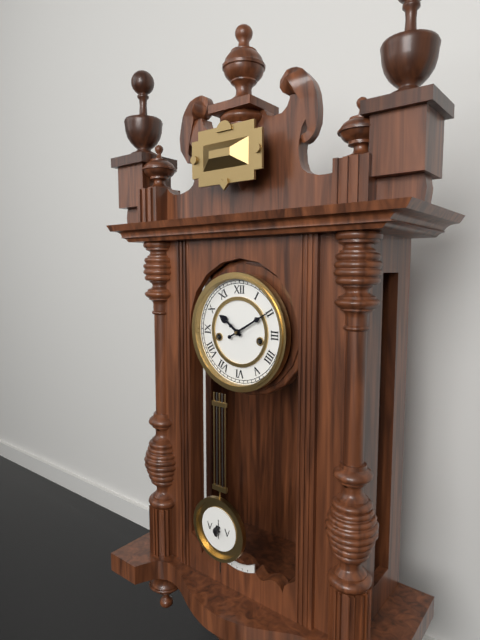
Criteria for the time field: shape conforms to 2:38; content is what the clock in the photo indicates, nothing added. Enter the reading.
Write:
10:10
